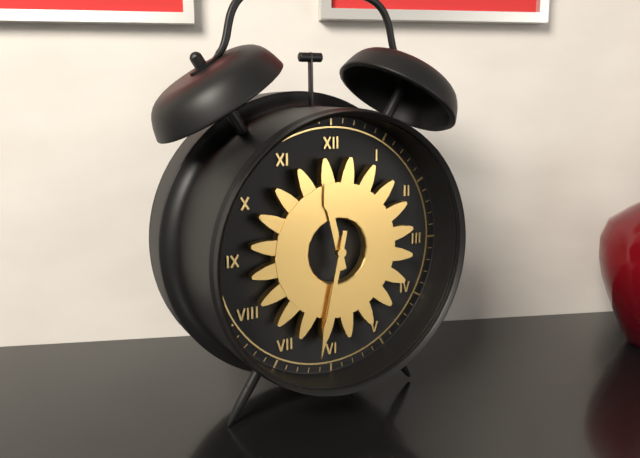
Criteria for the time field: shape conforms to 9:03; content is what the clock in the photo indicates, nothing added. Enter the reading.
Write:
11:32
